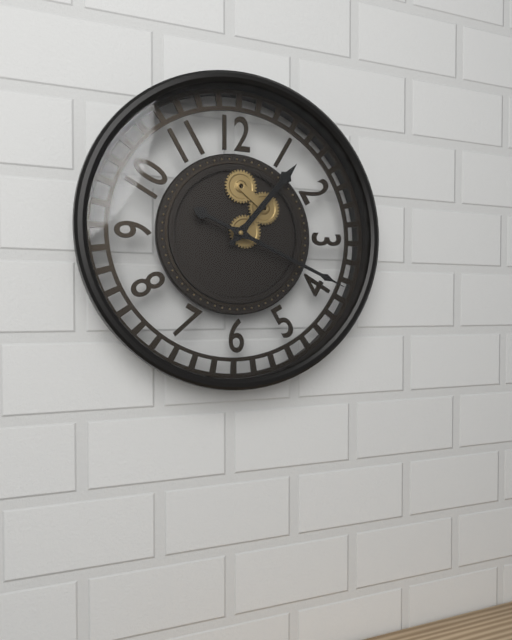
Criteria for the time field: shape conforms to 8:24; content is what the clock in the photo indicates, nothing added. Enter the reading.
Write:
1:19
